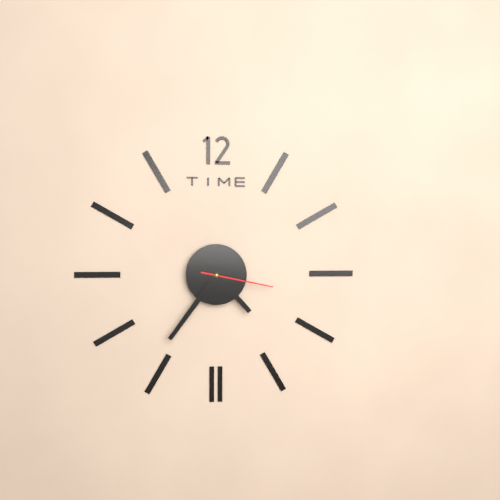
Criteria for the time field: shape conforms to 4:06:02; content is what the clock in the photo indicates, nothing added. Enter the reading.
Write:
4:36:17
